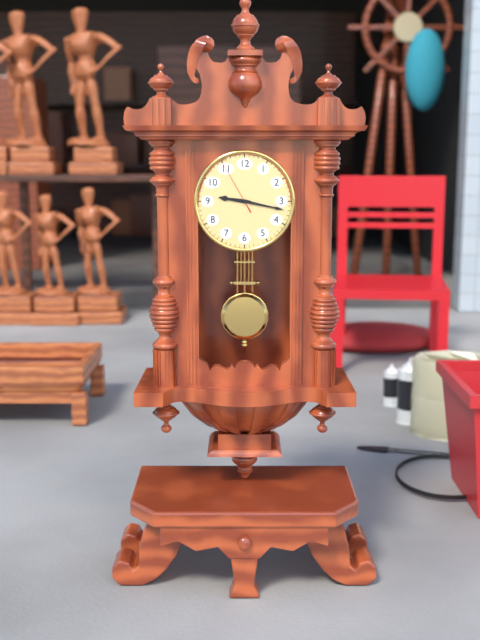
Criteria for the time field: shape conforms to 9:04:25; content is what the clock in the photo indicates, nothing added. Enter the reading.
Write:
9:17:55
